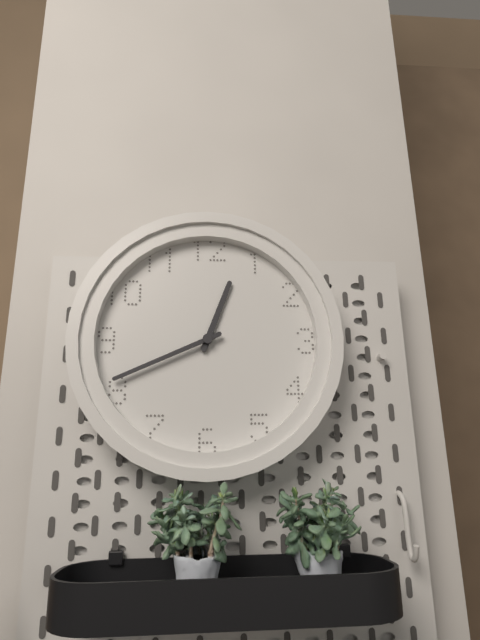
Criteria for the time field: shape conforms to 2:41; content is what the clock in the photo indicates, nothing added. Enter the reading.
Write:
12:41
